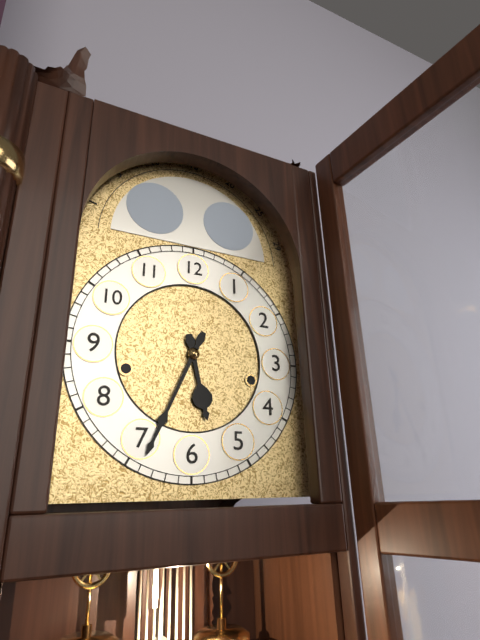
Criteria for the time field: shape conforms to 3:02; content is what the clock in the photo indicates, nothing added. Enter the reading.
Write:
5:34
